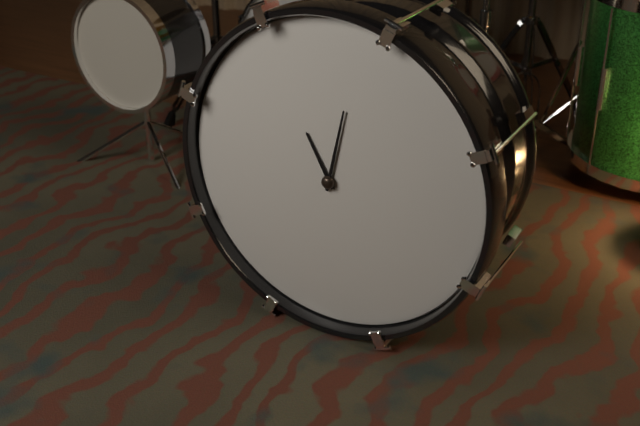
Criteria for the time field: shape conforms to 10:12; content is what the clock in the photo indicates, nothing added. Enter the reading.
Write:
11:02
